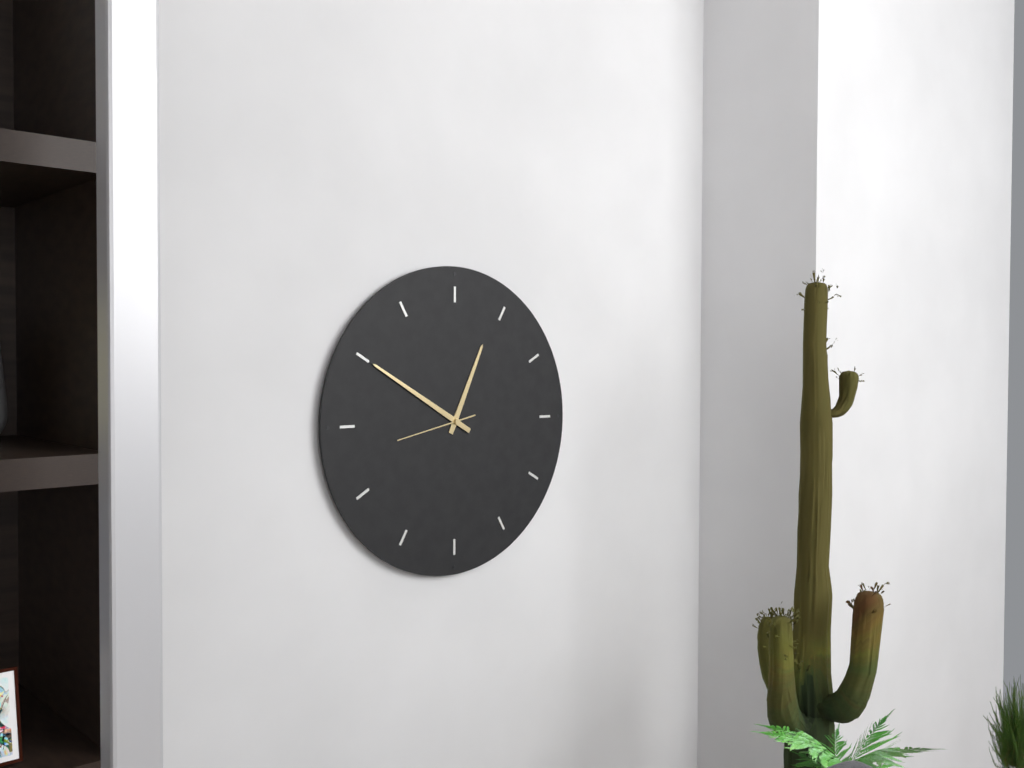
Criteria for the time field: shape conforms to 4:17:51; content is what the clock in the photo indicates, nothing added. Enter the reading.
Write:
12:50:43
